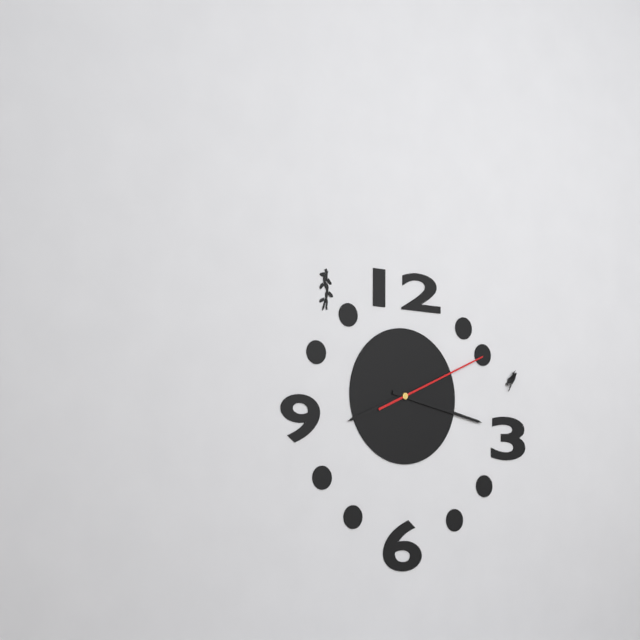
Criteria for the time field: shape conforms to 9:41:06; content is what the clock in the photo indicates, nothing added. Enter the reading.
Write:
8:17:11
